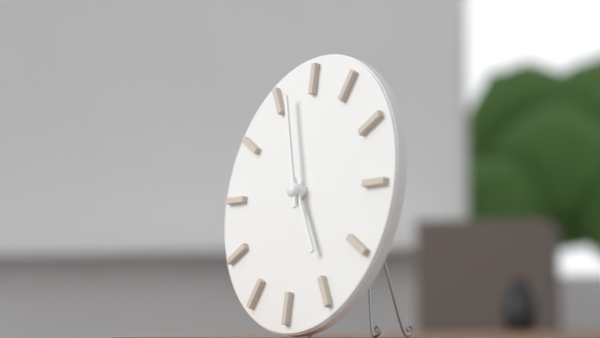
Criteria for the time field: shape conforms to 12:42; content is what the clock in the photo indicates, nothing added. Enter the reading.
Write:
4:57
